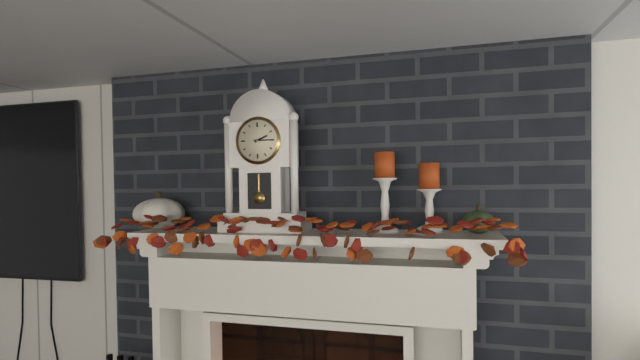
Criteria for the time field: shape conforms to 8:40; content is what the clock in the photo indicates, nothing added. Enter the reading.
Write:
2:15
